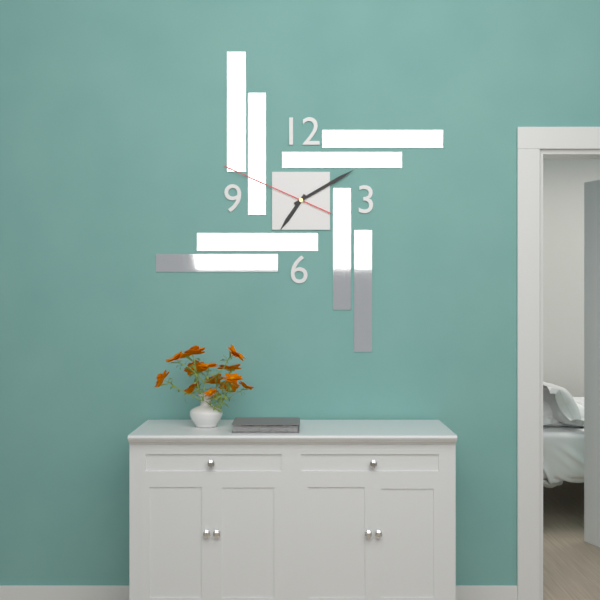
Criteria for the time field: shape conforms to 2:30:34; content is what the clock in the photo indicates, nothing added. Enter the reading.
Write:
7:10:49
